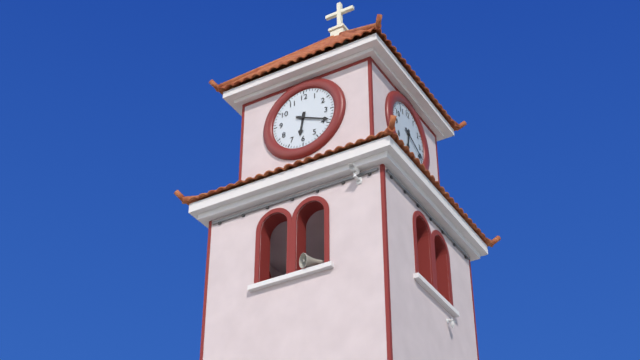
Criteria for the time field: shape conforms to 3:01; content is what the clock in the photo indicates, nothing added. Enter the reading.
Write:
6:19
